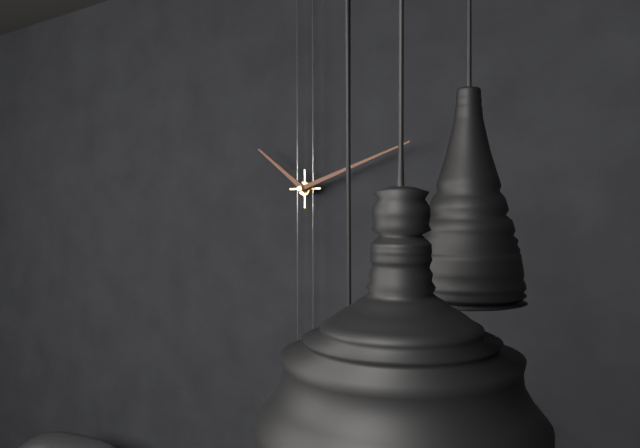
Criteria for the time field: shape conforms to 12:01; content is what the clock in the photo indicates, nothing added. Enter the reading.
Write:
10:12
